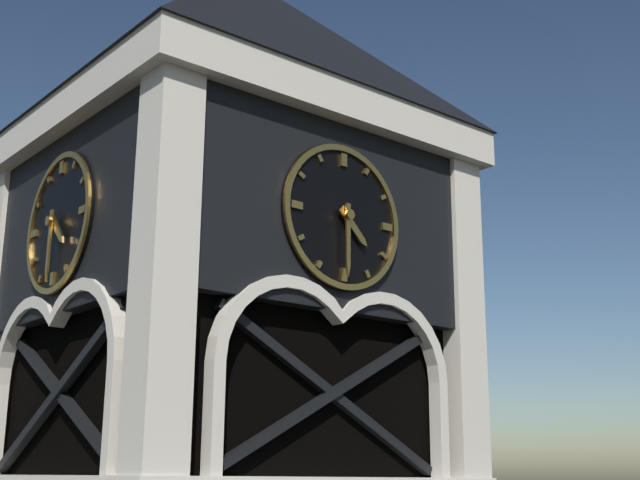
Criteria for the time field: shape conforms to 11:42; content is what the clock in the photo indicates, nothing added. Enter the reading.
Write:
4:30
